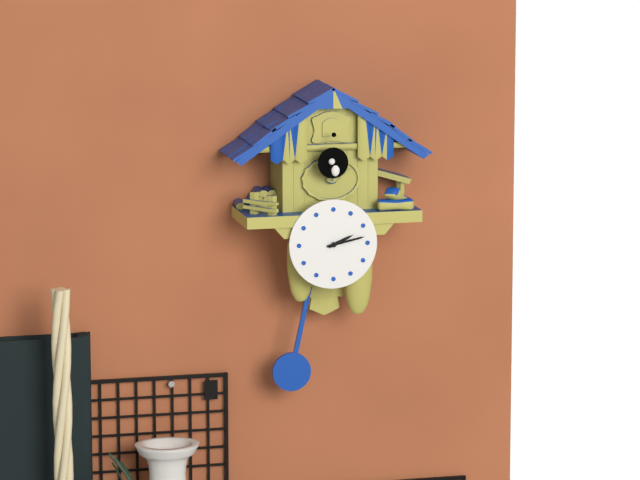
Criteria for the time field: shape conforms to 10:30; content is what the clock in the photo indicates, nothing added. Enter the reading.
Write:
2:13
